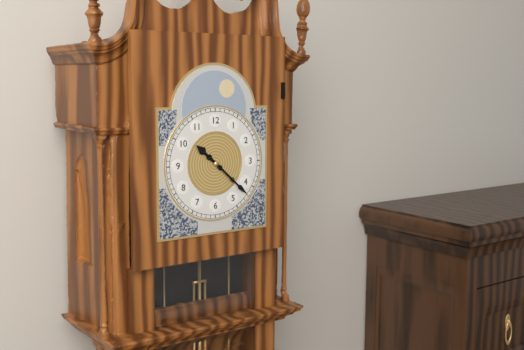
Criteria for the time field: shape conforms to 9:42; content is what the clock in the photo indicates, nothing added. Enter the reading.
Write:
10:22
